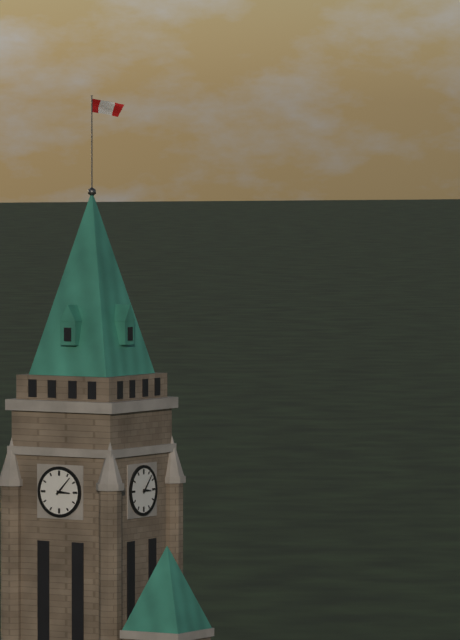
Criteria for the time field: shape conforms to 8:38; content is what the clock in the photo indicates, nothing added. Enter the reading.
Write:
3:07
